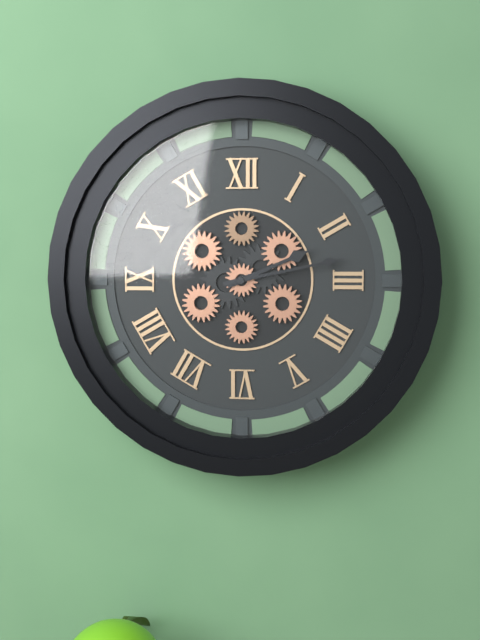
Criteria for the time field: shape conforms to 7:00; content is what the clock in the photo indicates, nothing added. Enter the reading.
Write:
2:13
